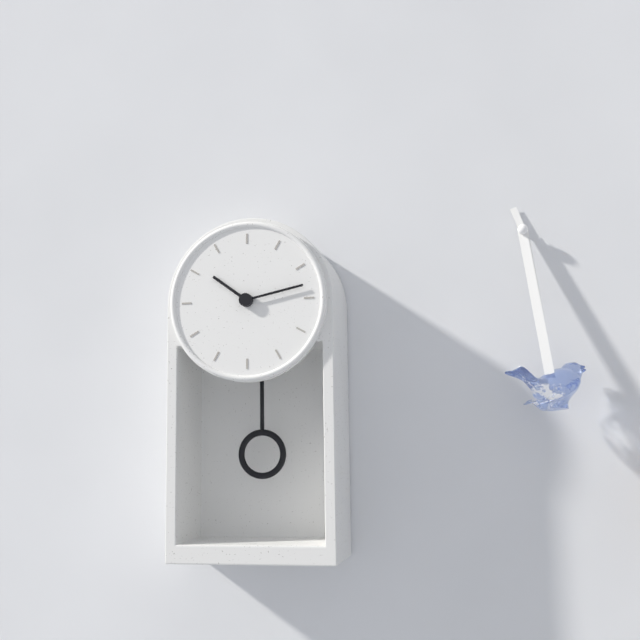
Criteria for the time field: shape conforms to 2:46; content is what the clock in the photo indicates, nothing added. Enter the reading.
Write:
10:13
